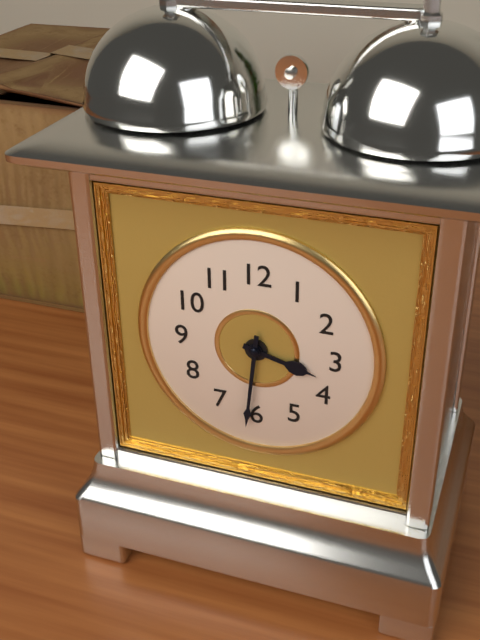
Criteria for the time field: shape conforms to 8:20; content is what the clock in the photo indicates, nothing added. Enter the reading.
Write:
3:31
